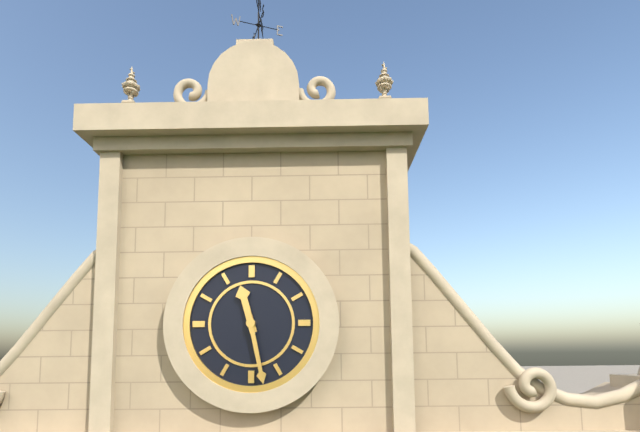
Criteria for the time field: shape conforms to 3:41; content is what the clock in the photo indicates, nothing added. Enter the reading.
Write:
11:28
